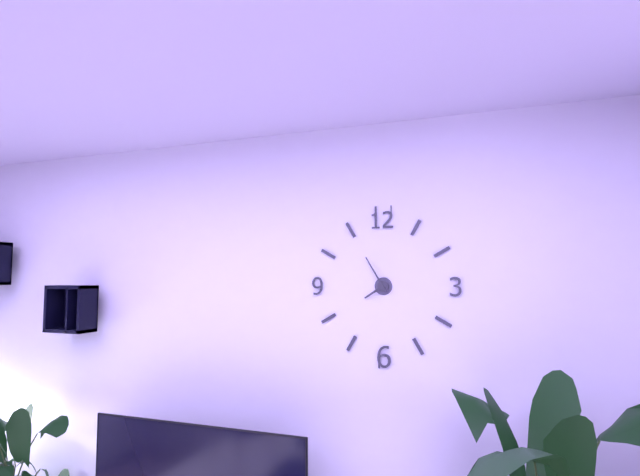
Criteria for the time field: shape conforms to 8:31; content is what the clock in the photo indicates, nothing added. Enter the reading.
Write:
7:55
